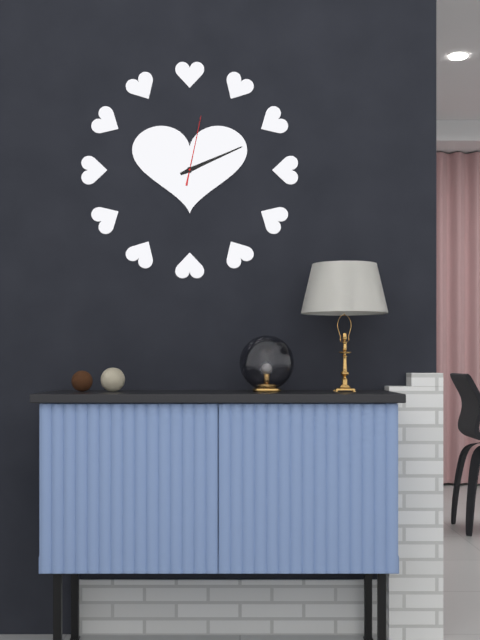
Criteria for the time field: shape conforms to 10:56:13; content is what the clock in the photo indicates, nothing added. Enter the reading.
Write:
2:11:02
